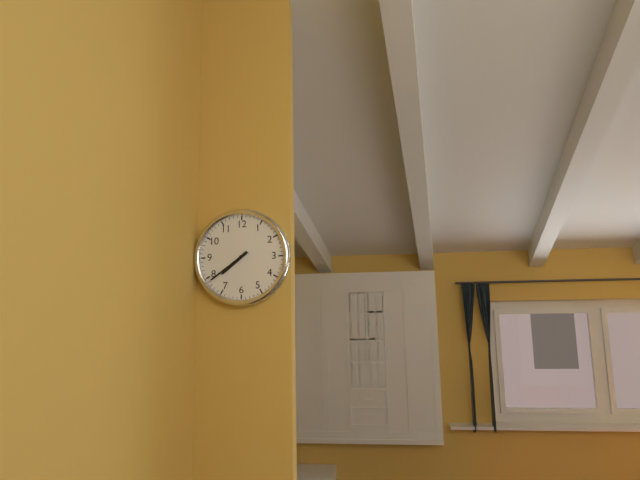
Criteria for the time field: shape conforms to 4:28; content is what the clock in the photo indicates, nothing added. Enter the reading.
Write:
7:39
